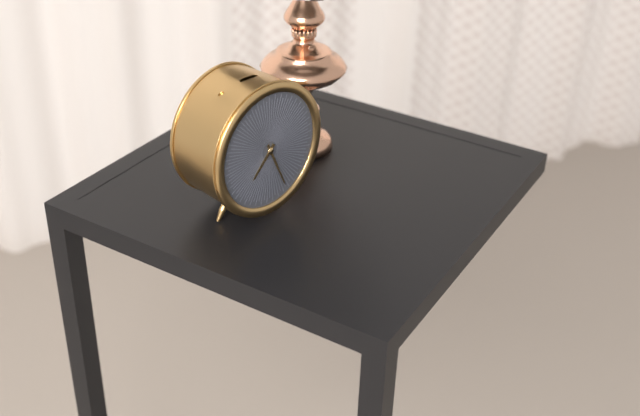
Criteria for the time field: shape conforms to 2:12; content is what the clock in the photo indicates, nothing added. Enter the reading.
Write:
7:26
